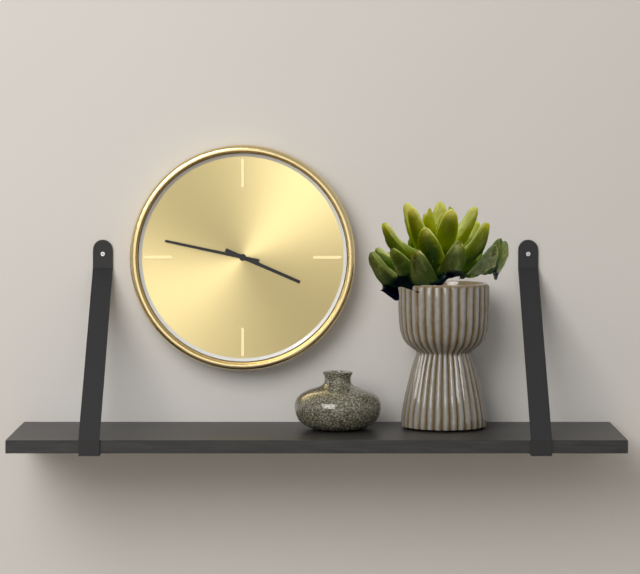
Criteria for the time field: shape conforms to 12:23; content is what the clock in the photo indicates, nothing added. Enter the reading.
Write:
3:47
